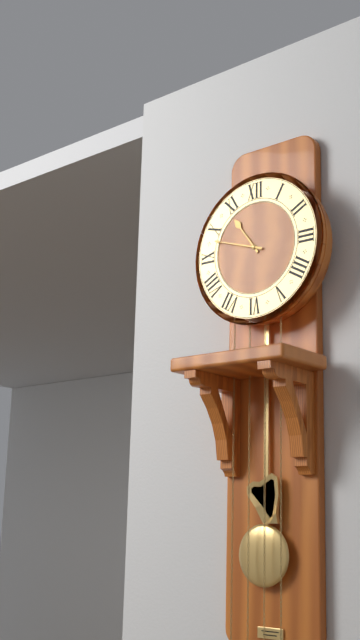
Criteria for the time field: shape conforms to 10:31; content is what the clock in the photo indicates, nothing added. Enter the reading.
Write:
10:48
